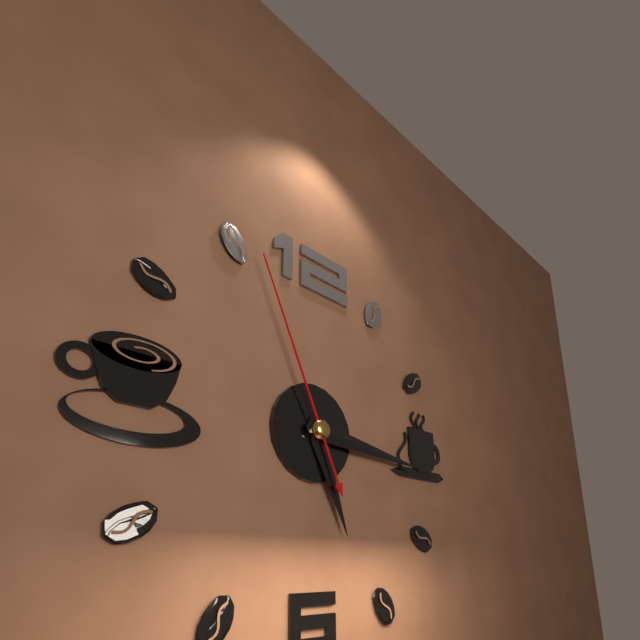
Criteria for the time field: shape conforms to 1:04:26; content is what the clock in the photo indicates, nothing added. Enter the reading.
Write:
5:16:56
